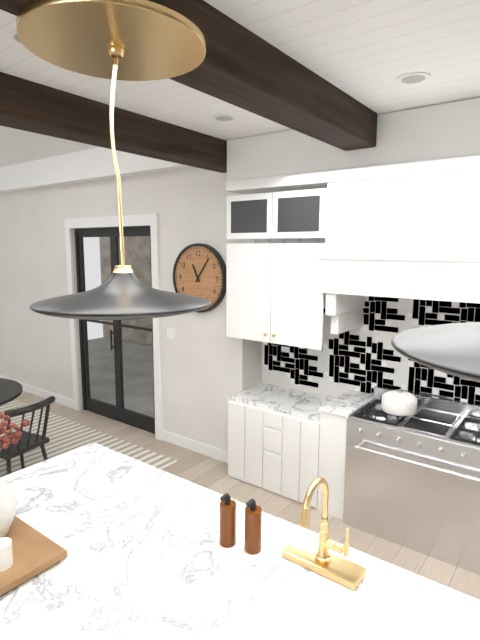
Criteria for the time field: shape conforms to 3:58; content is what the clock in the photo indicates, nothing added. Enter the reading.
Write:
11:06
